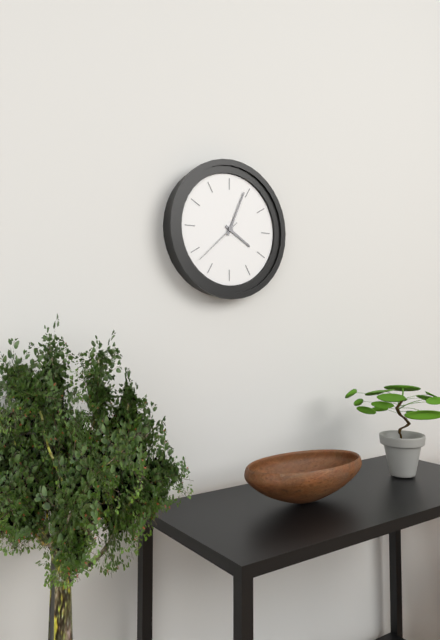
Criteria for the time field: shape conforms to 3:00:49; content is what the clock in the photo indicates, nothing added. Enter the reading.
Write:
4:04:38
